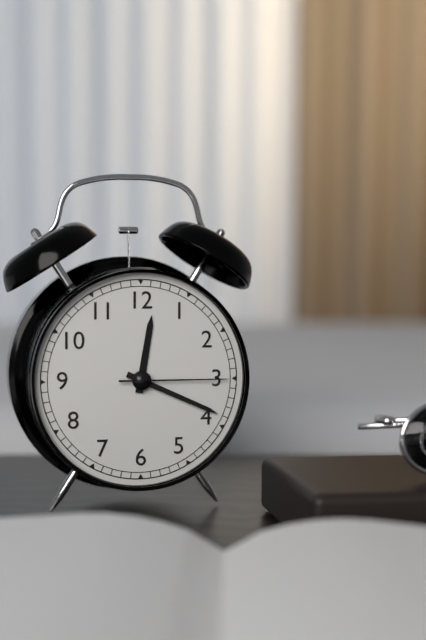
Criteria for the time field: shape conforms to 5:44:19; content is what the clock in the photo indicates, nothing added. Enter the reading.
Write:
12:19:15
